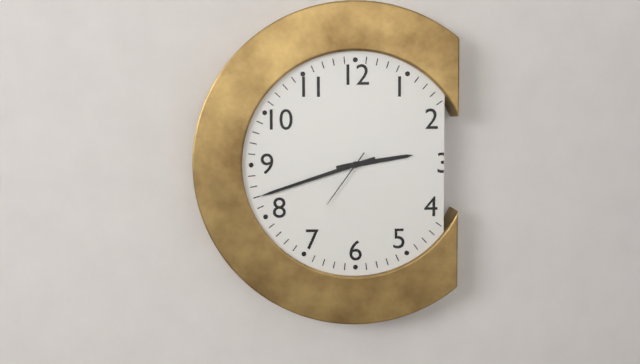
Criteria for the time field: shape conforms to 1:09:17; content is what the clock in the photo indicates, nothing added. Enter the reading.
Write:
2:42:36
